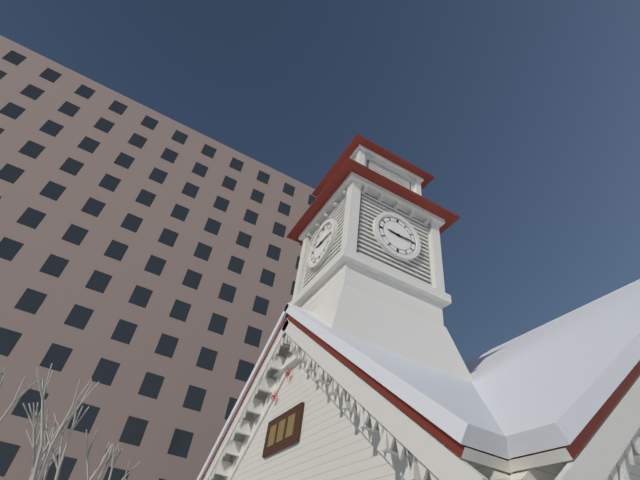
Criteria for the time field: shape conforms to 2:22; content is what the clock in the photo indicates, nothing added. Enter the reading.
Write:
9:15
